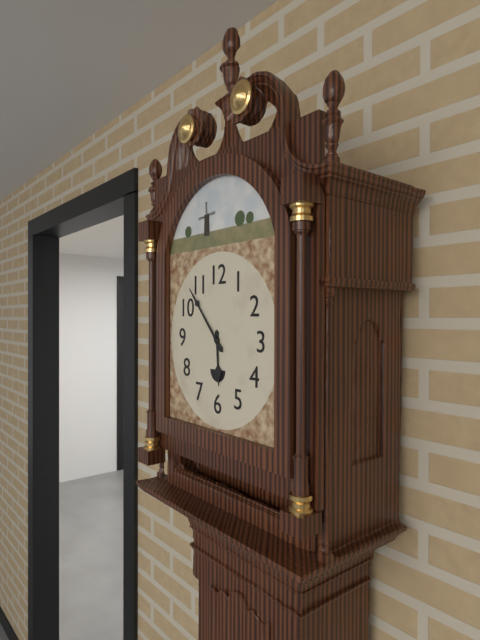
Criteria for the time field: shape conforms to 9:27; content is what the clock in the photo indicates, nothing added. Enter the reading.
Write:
5:53
